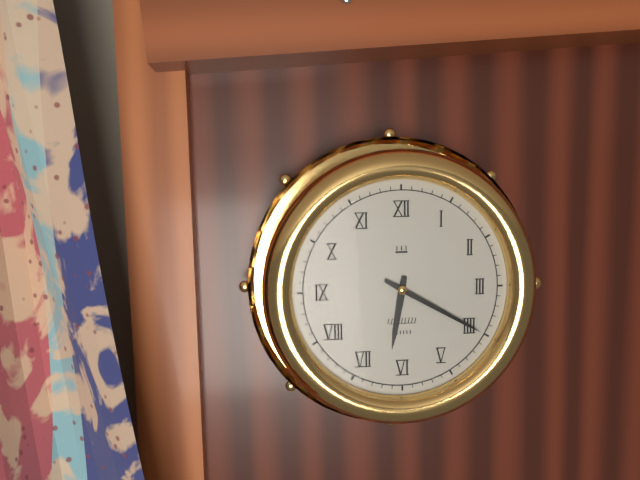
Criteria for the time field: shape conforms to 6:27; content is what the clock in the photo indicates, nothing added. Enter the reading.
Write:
6:20
